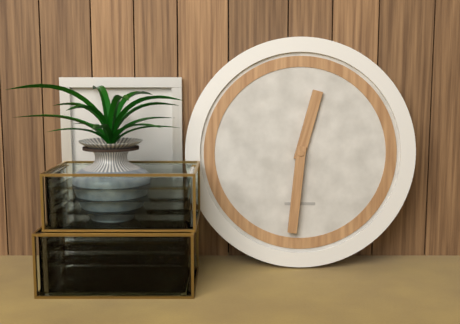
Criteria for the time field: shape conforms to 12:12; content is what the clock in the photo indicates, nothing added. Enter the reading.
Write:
12:31
